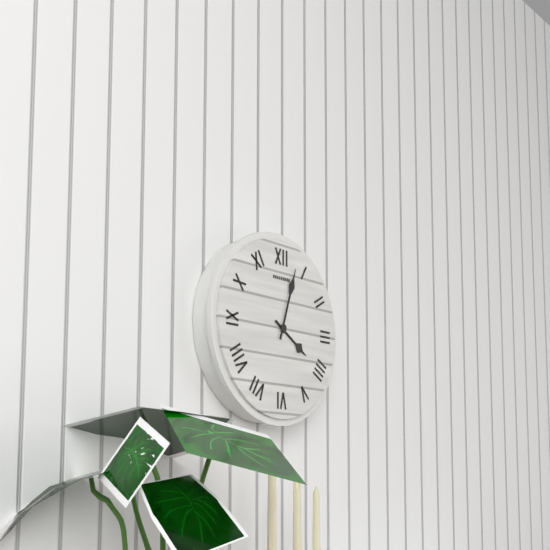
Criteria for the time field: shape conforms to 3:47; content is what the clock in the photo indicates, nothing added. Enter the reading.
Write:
4:03
